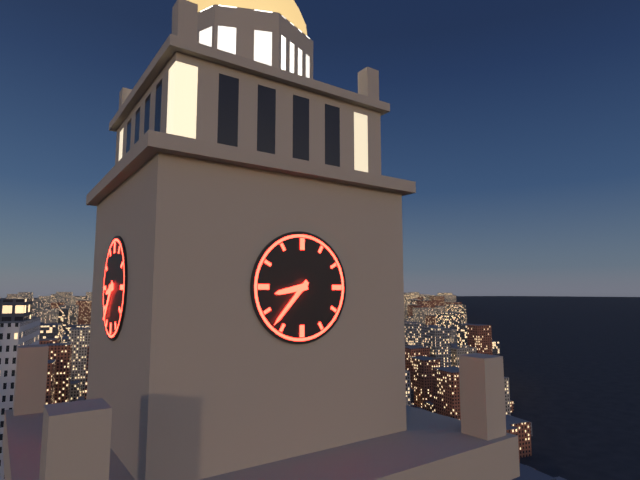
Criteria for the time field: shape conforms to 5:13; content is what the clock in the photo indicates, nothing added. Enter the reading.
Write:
8:37
